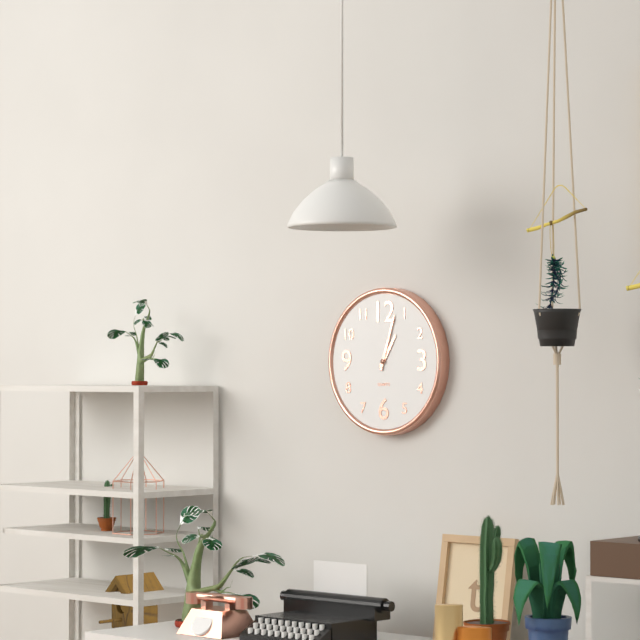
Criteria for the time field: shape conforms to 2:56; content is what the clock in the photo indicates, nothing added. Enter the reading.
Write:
1:03
